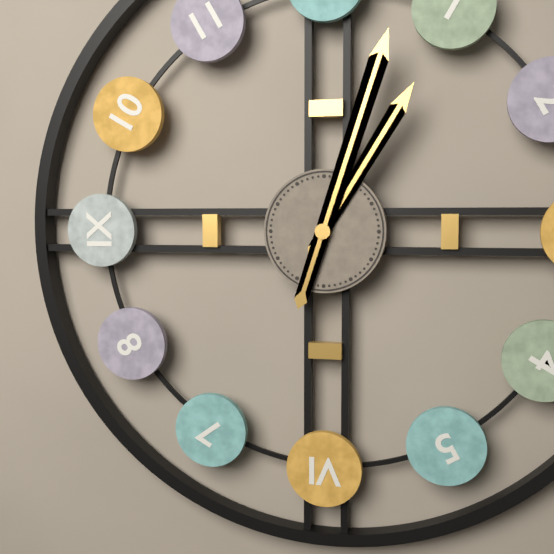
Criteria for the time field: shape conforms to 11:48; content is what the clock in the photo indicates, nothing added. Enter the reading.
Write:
1:03
